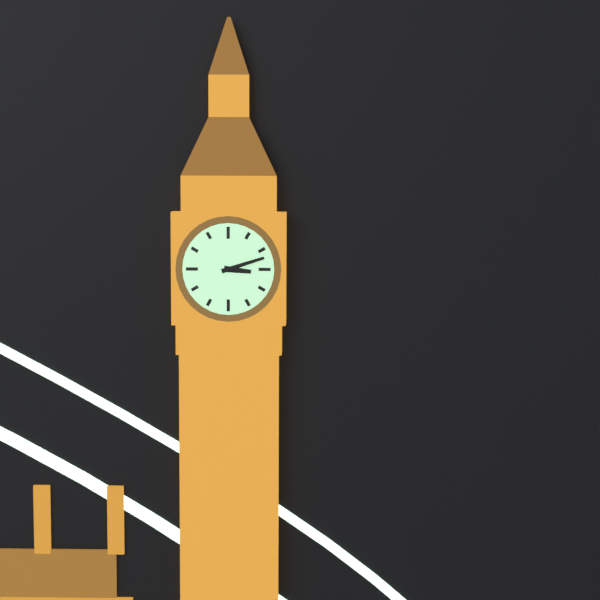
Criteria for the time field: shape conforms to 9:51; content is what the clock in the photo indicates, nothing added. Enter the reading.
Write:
3:12
